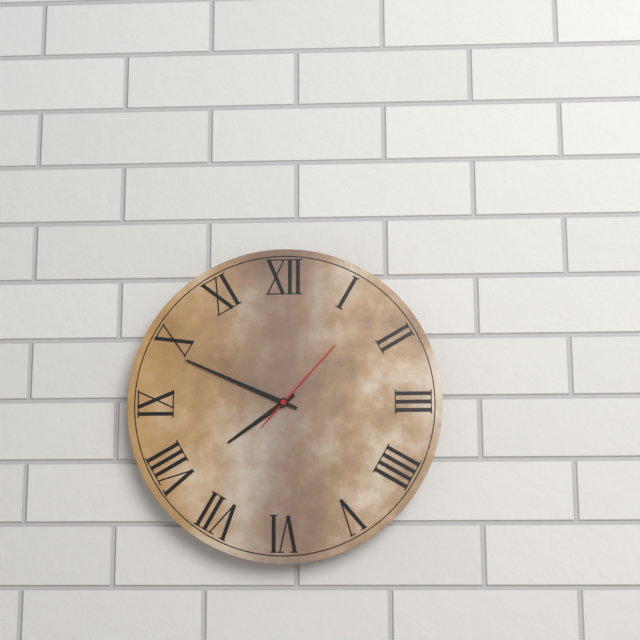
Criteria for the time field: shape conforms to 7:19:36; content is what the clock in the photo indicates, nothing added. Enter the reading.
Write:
7:49:07
